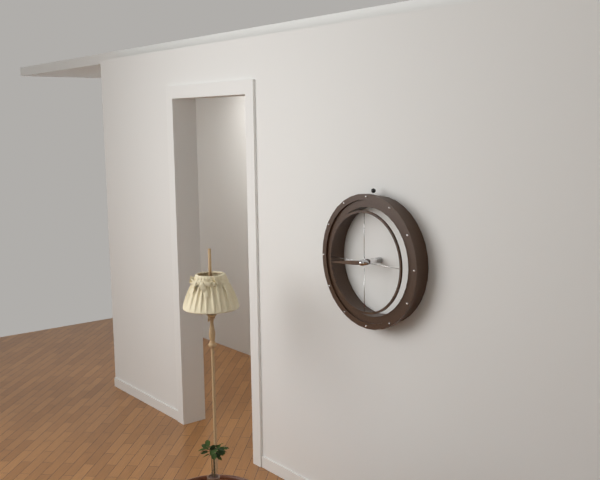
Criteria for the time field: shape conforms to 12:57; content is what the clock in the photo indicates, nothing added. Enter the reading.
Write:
8:44
